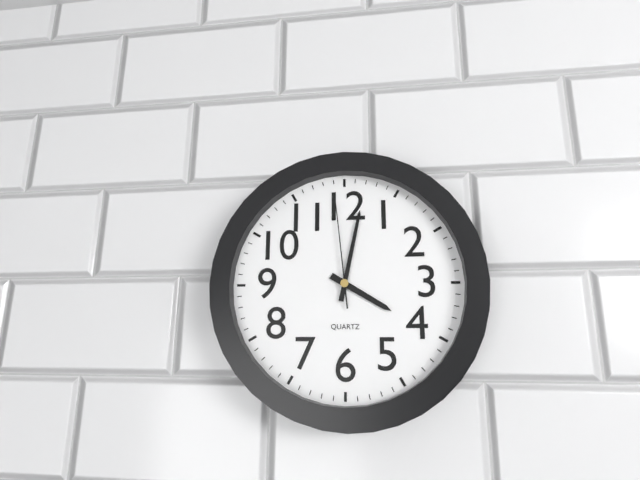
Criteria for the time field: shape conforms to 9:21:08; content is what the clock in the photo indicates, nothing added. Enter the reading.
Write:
4:02:59
